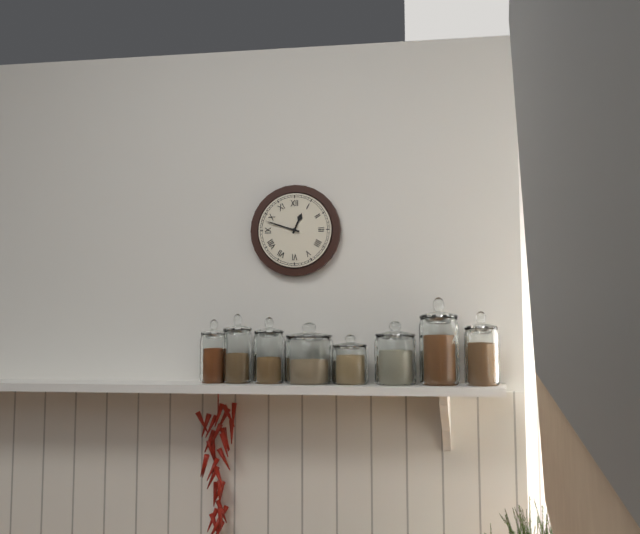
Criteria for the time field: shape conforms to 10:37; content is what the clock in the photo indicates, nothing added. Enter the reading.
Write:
12:48
